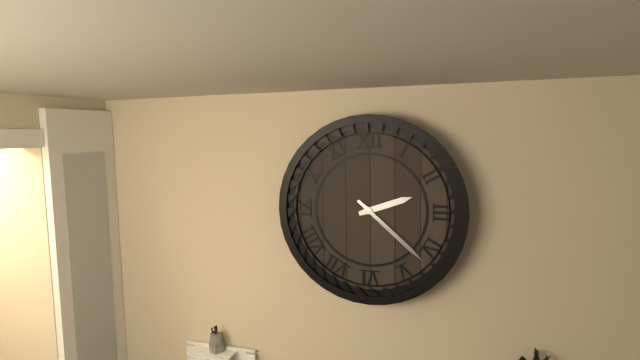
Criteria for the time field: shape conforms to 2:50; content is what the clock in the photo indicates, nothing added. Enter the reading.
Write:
2:22
